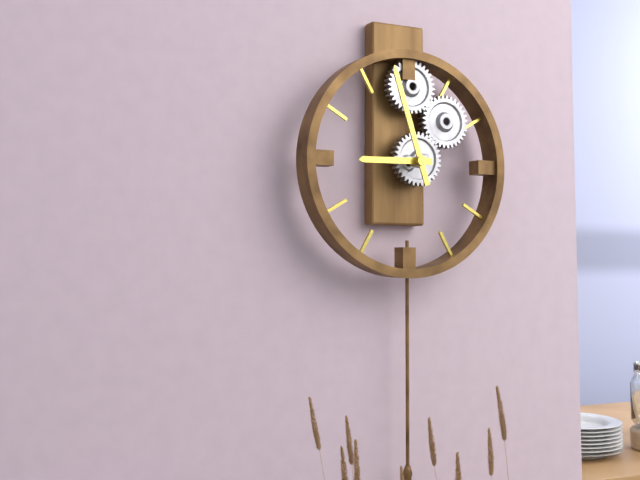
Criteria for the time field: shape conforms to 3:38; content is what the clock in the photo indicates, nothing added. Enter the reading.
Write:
8:57
